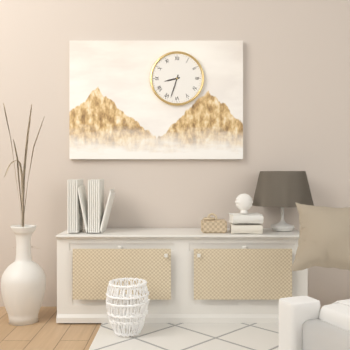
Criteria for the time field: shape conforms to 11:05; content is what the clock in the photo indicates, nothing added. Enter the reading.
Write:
8:33
